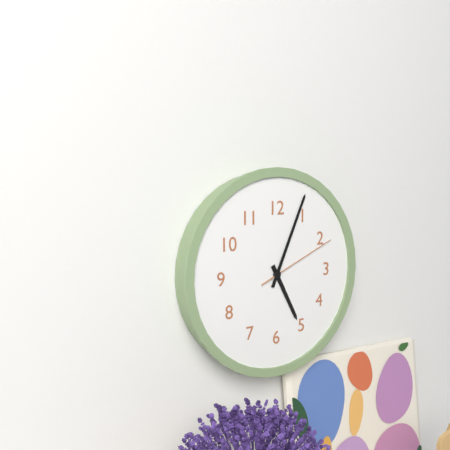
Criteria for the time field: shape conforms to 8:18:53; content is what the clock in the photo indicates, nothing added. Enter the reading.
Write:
5:04:11
